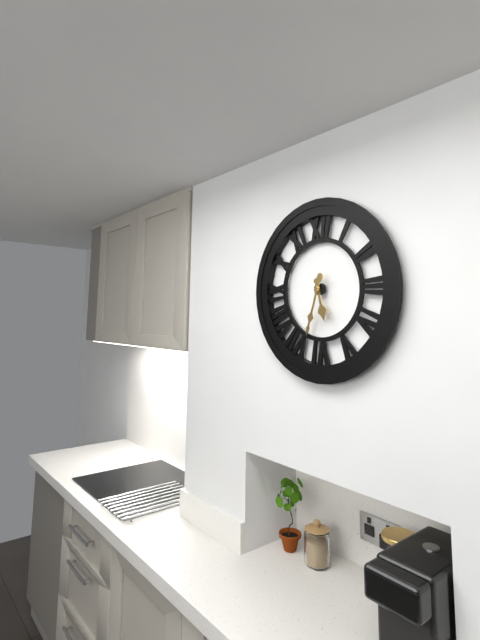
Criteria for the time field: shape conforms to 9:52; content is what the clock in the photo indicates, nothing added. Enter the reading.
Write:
5:33
